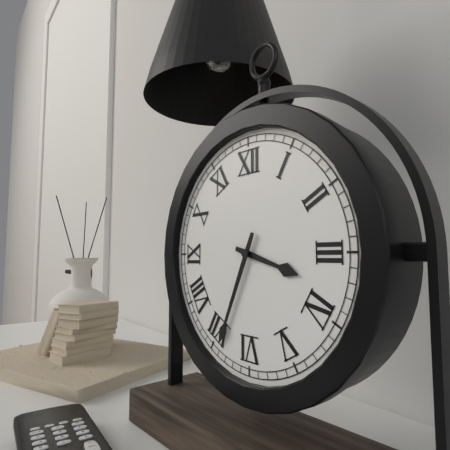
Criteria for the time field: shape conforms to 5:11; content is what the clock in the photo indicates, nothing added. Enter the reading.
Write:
3:34
